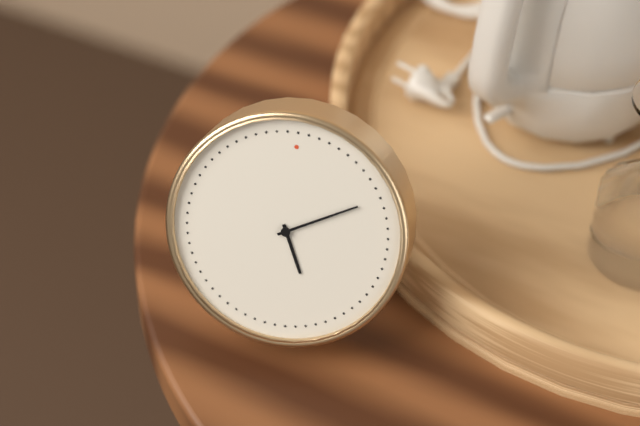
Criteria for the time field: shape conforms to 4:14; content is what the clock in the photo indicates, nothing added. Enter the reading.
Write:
5:10
